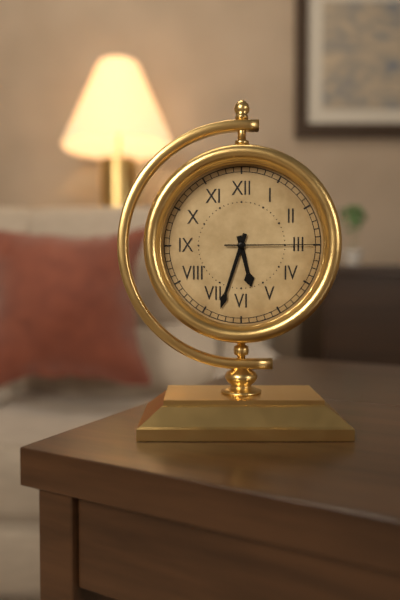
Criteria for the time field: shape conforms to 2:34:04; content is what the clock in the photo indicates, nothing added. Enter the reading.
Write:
5:33:15
